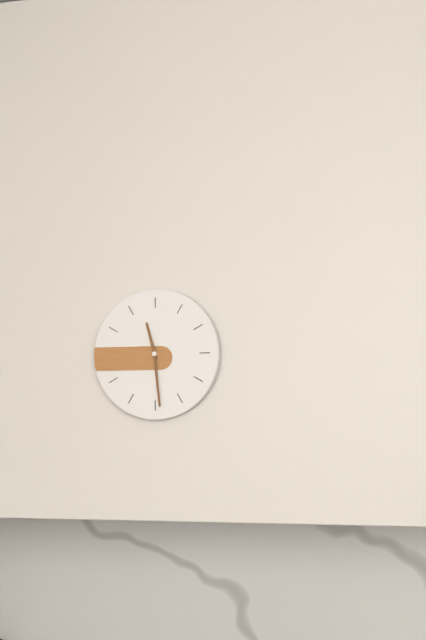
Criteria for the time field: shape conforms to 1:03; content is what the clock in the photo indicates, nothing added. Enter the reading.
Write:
11:29
